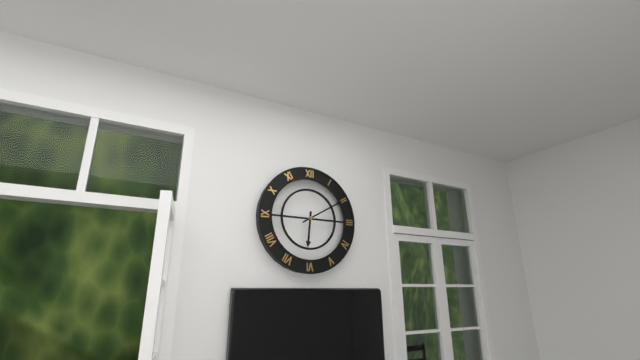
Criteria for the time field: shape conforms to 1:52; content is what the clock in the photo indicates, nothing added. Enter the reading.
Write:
6:10
